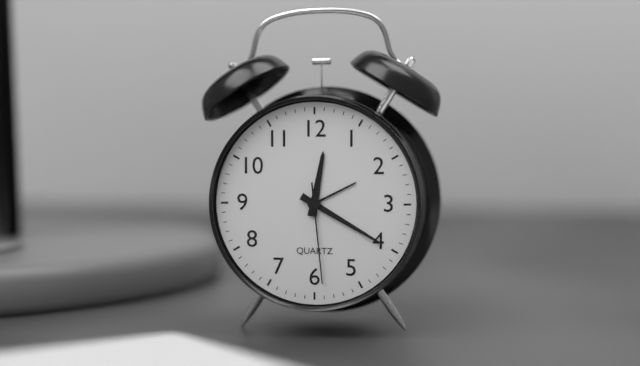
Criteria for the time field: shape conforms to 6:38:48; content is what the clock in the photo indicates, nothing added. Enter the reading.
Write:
12:20:29
